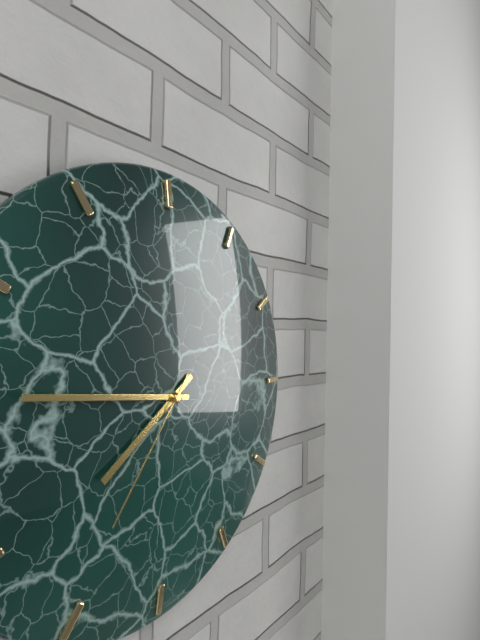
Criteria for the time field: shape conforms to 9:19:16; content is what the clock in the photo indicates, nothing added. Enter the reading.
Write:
7:46:36
